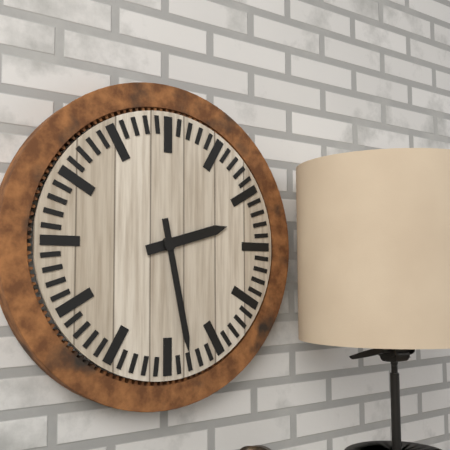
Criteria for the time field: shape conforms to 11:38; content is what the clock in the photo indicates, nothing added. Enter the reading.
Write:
2:28
